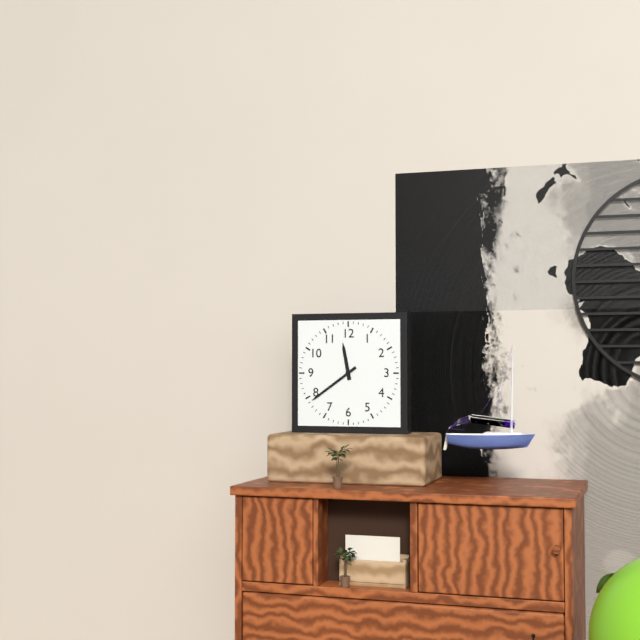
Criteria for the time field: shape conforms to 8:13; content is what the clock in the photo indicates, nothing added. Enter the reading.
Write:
11:39
